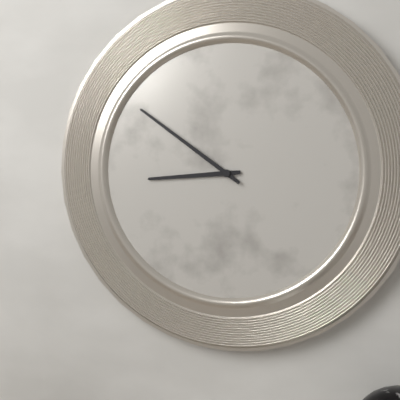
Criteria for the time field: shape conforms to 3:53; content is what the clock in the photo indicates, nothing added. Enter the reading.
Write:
8:51
